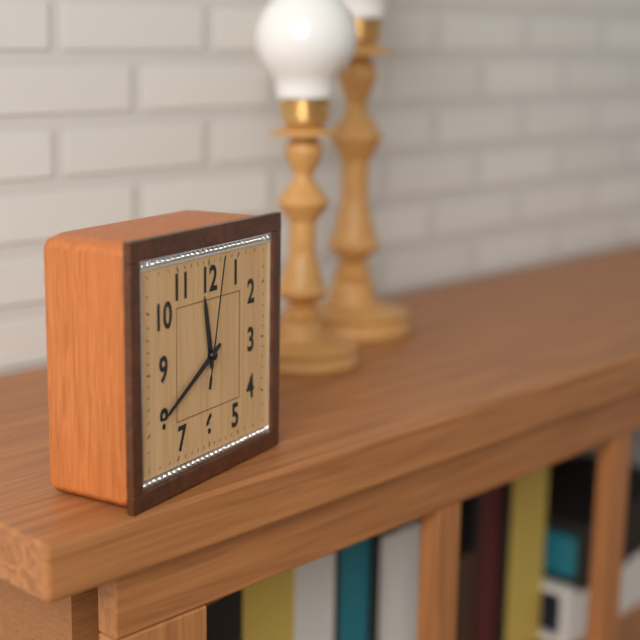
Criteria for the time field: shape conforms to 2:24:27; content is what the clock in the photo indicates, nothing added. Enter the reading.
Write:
11:40:02
